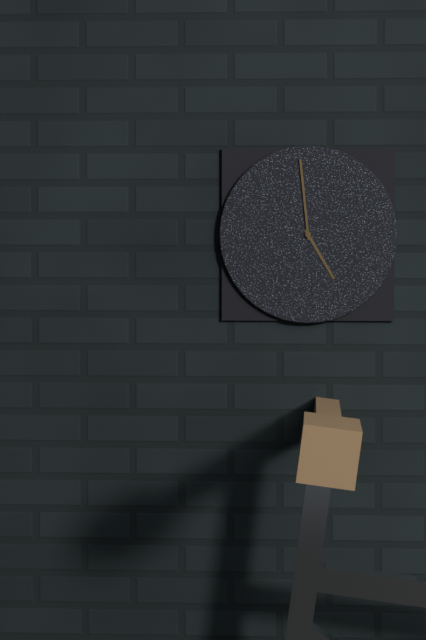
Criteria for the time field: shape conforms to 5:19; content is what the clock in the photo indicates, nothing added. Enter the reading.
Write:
4:59
